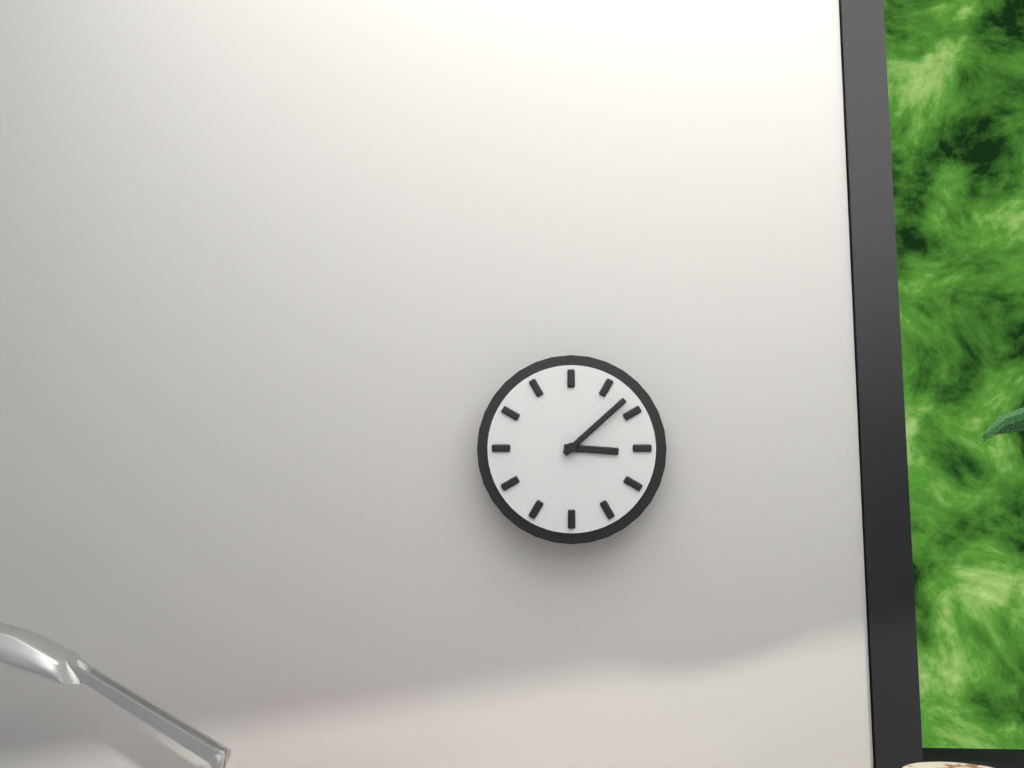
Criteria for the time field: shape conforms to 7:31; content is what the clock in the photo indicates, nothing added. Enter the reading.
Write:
3:08
